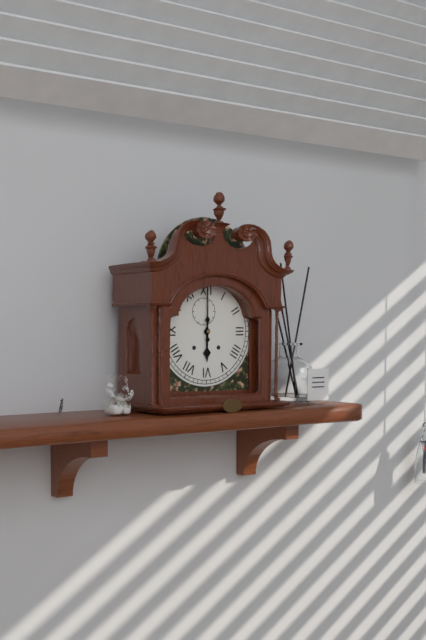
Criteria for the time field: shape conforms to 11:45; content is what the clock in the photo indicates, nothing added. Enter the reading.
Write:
6:00
